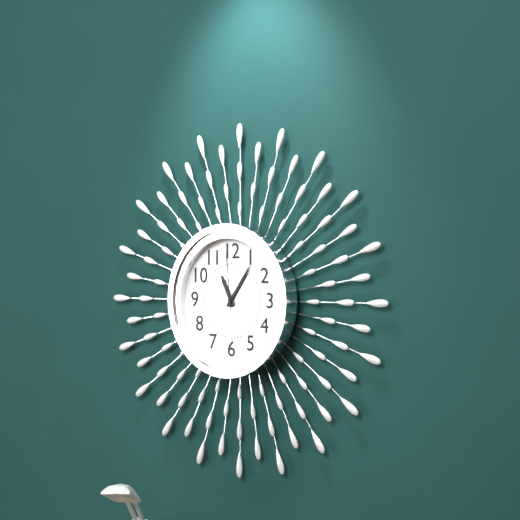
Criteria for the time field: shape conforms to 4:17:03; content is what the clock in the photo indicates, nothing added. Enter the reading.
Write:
11:06:59
